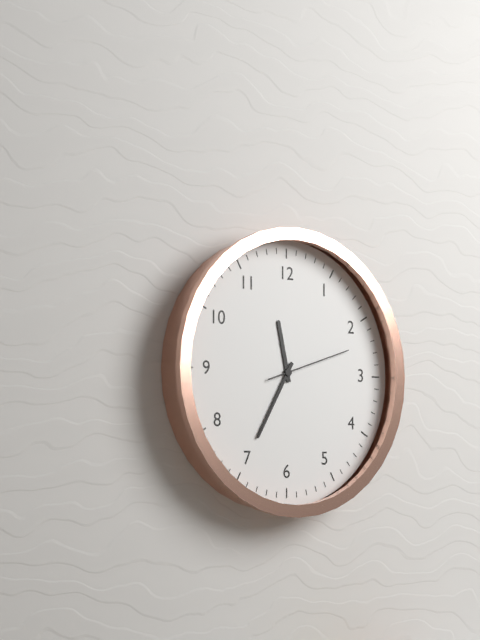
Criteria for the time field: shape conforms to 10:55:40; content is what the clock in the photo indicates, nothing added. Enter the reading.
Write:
11:35:12
